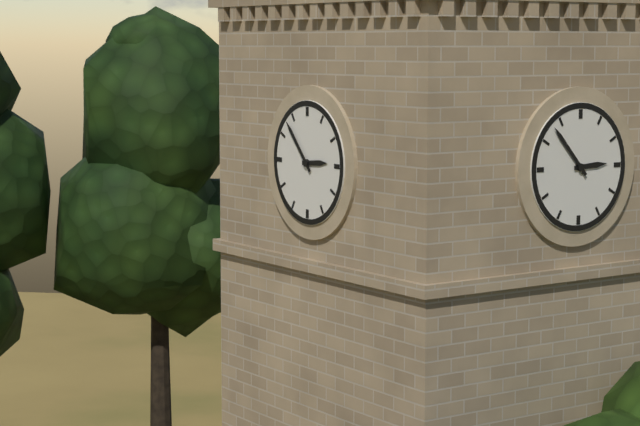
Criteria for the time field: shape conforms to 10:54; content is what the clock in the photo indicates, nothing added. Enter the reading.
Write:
2:53
